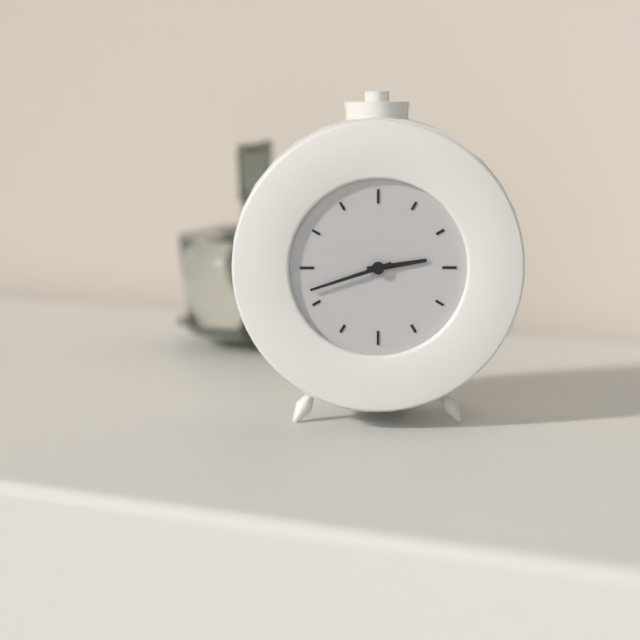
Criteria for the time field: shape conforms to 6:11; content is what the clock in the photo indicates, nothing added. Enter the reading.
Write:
2:42
